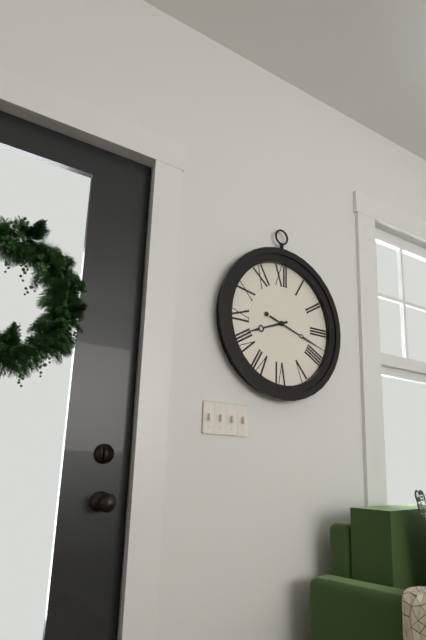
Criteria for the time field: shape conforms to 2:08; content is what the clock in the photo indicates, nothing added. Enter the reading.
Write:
8:18
